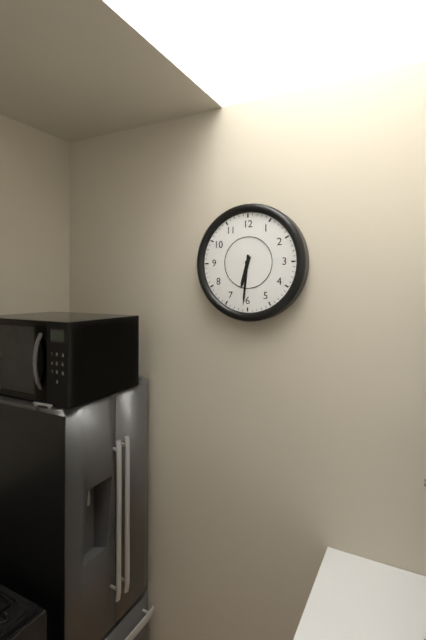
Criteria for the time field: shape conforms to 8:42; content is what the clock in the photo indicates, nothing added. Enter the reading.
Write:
6:31
